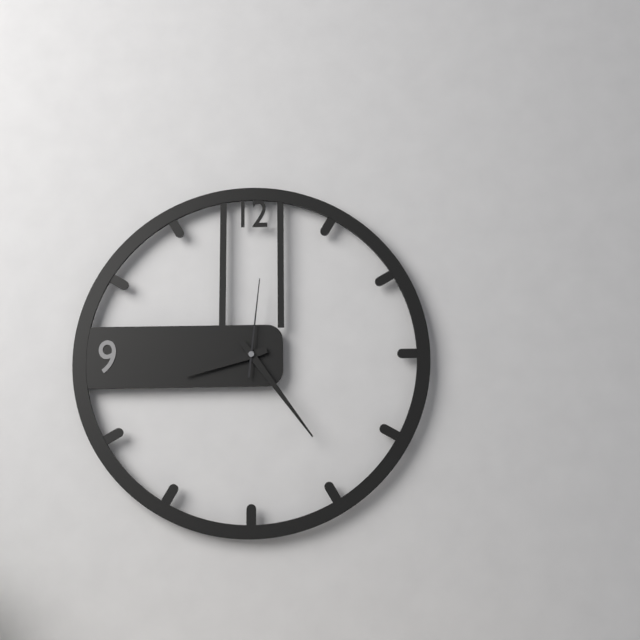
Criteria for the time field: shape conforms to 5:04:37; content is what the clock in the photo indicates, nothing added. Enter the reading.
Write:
8:24:01
